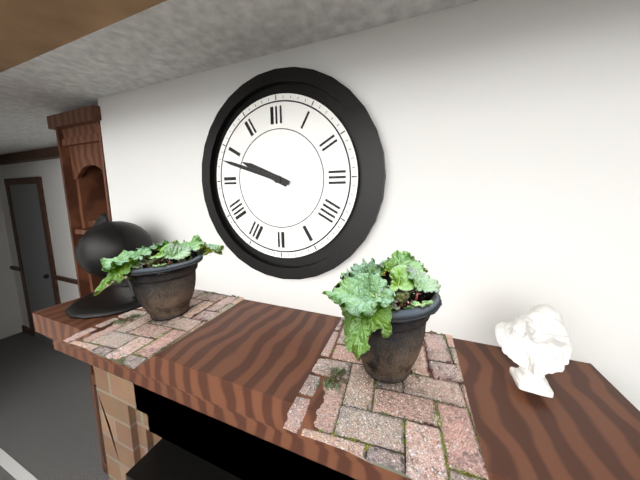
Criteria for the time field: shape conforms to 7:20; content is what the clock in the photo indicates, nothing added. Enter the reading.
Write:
9:48
